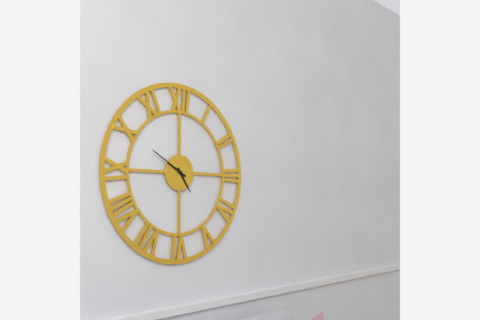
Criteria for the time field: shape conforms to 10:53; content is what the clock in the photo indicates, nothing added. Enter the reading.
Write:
4:50
